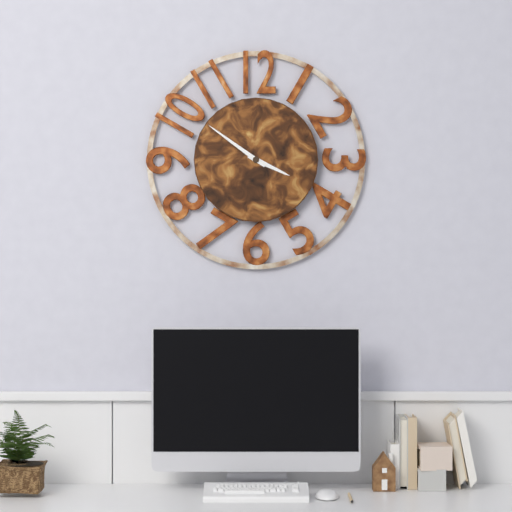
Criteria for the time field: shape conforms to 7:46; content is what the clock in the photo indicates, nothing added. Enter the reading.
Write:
3:51
